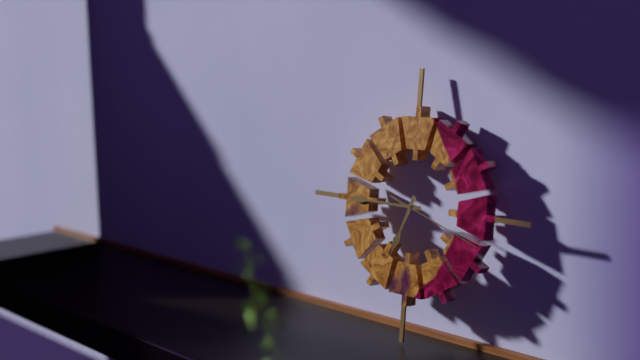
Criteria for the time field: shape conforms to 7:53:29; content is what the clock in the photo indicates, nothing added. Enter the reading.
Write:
6:45:18
